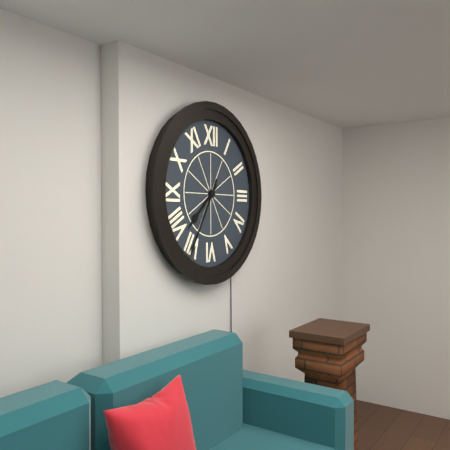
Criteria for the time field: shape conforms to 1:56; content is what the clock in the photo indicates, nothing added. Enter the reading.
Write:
7:35
